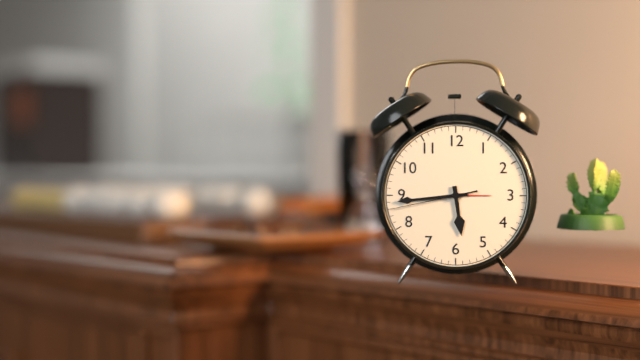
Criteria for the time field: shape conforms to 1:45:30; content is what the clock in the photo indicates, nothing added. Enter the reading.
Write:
5:44:43
